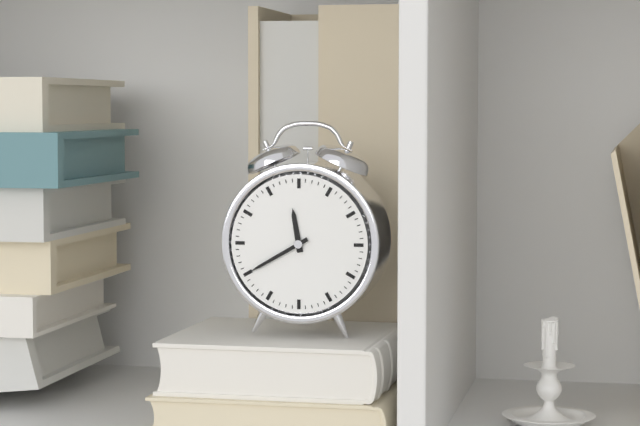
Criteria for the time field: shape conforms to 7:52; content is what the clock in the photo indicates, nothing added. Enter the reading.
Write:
11:40
